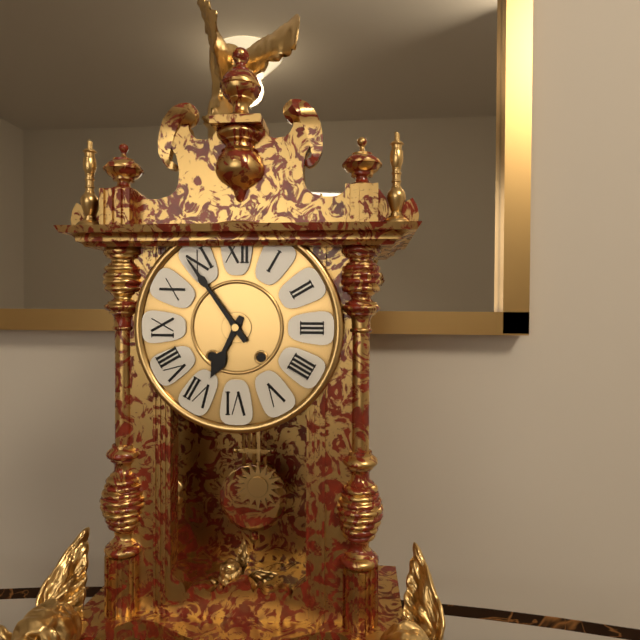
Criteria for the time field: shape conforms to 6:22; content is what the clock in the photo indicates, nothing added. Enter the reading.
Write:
6:54
